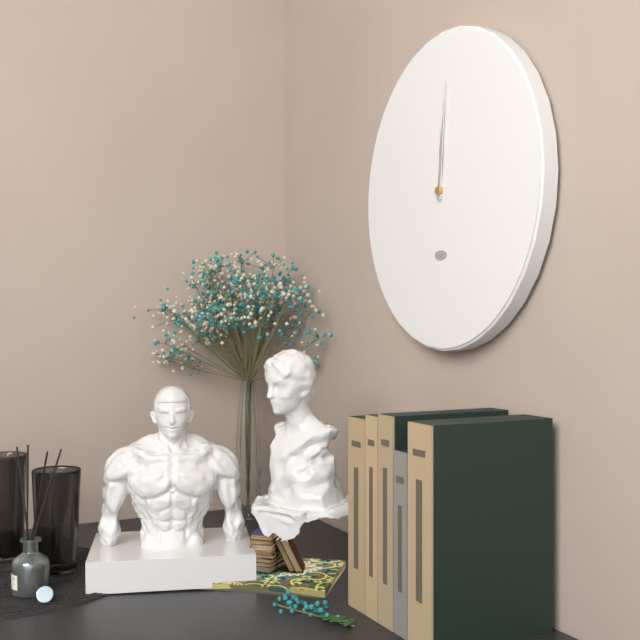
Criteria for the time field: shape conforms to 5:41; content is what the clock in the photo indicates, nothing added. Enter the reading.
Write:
12:01
